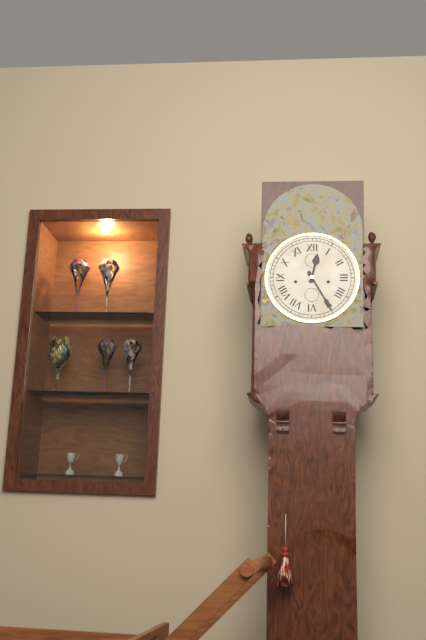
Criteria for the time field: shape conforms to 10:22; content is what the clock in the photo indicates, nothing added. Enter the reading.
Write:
12:25
